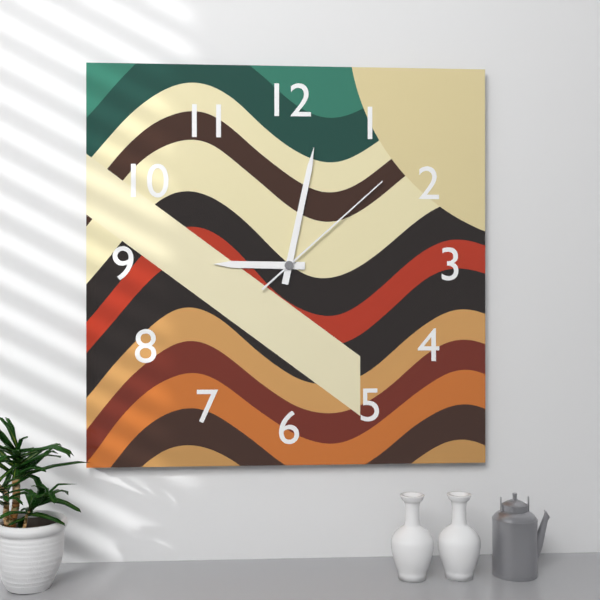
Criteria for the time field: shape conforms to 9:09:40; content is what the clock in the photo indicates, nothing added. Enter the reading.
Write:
9:02:08
